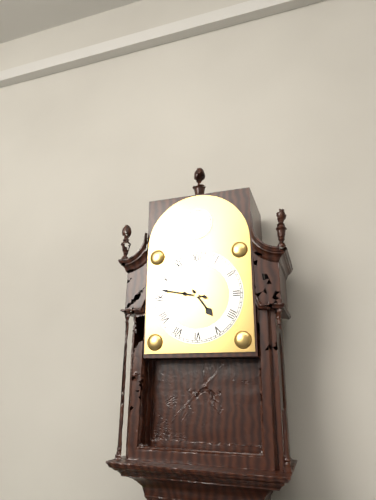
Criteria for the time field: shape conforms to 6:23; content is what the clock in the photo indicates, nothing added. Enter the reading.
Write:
4:47
